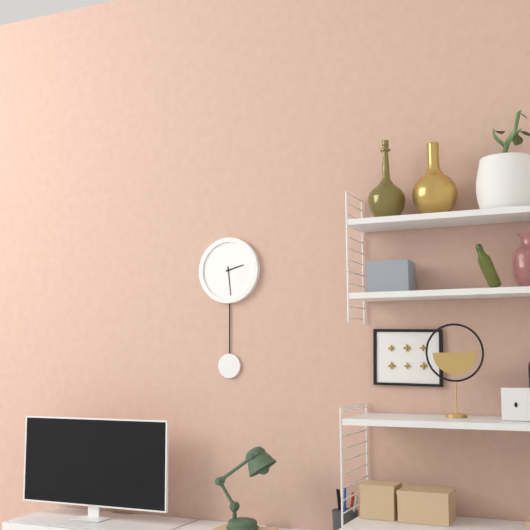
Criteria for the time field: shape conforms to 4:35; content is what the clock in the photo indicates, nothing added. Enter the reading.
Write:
2:29
